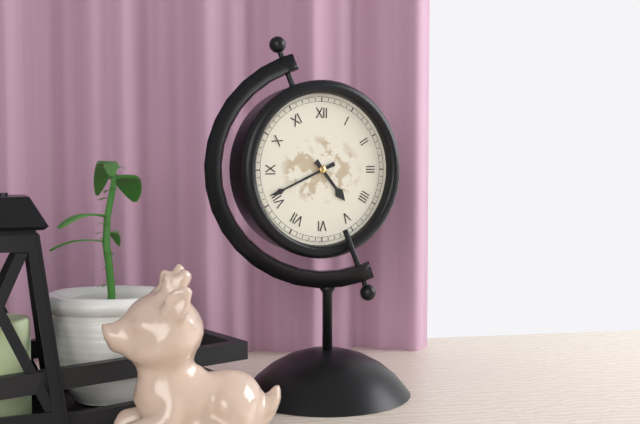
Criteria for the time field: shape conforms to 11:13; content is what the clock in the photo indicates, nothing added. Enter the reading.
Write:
4:41
